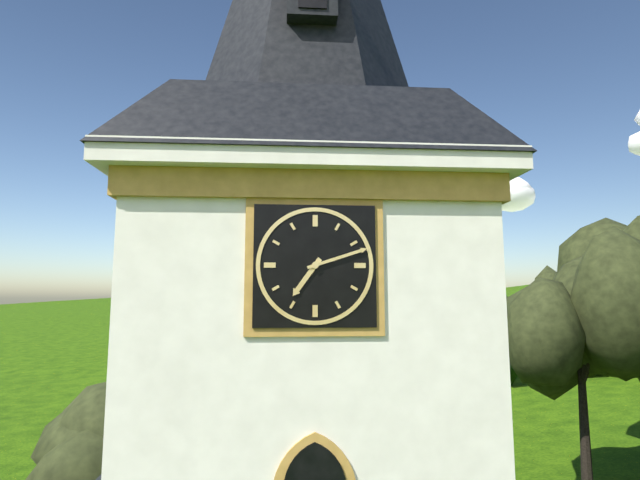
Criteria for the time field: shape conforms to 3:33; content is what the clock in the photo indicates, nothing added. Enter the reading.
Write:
7:12
